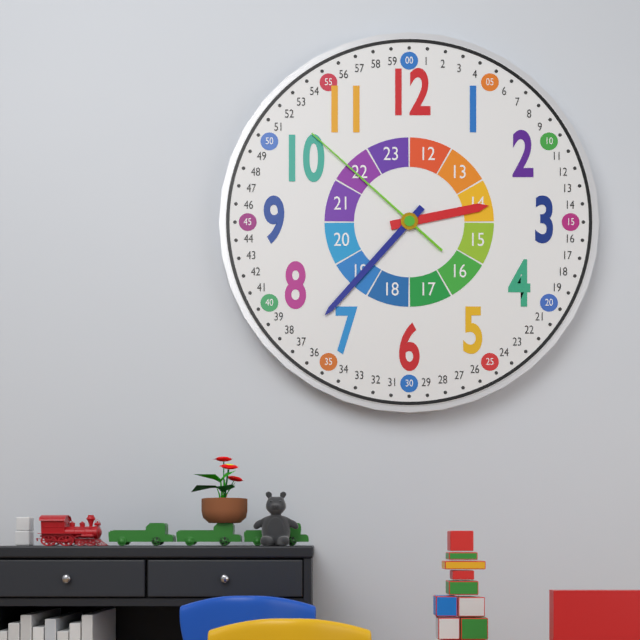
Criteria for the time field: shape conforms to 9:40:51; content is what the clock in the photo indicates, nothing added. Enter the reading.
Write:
2:37:52
